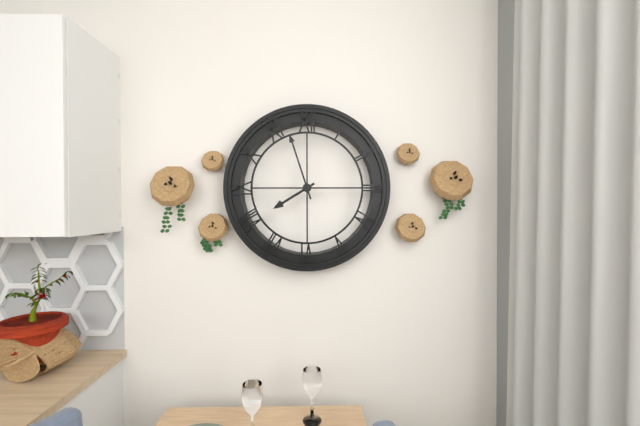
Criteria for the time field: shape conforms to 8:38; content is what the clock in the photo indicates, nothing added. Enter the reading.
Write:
7:57
